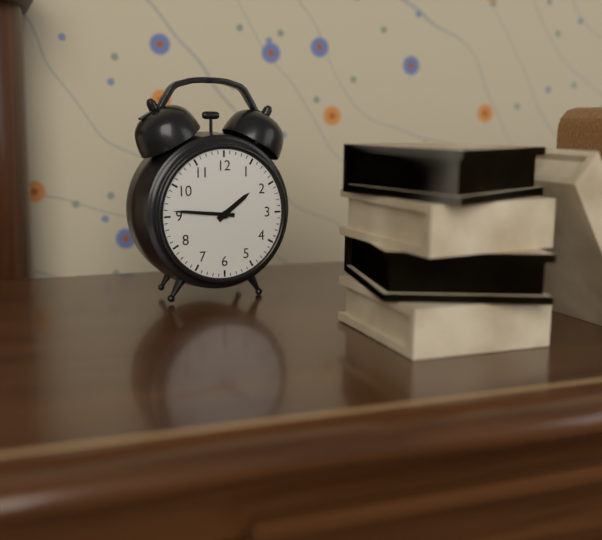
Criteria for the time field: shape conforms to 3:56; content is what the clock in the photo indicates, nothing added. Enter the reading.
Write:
1:46
